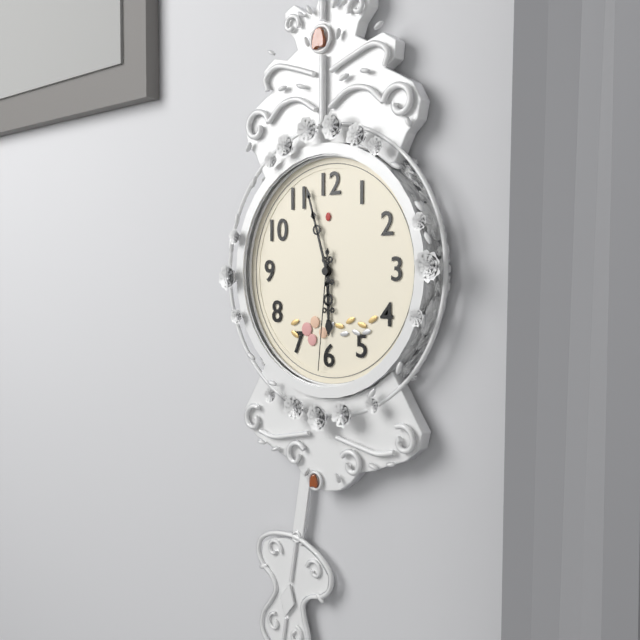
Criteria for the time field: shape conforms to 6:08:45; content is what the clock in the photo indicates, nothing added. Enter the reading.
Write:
5:57:31
